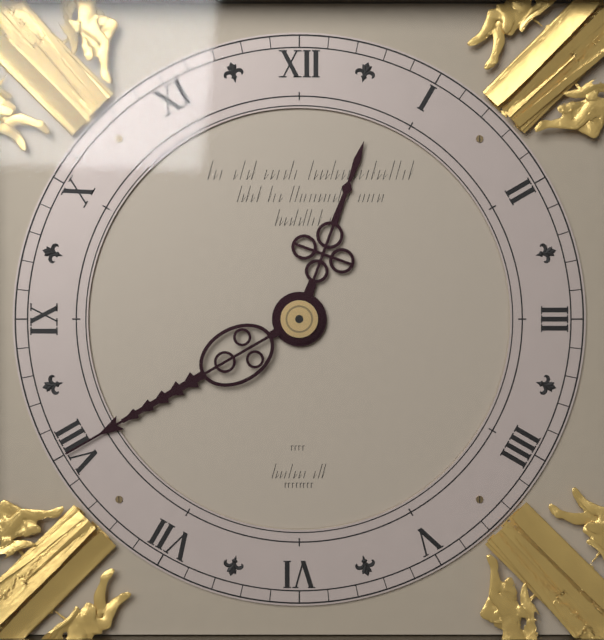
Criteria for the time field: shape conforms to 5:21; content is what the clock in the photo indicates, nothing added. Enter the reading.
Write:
12:40
